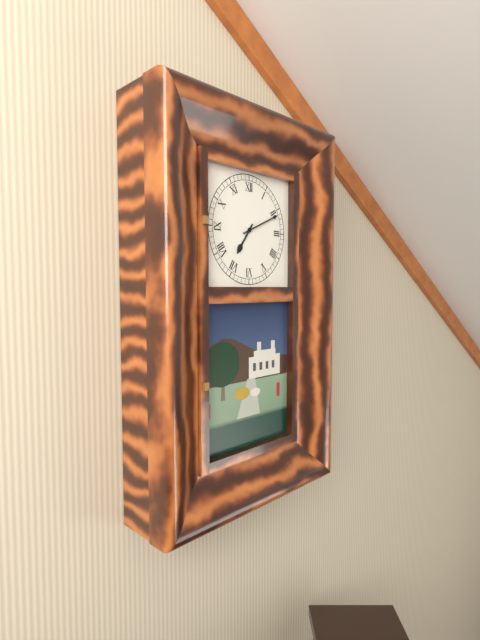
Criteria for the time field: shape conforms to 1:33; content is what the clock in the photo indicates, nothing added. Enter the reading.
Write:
7:11
